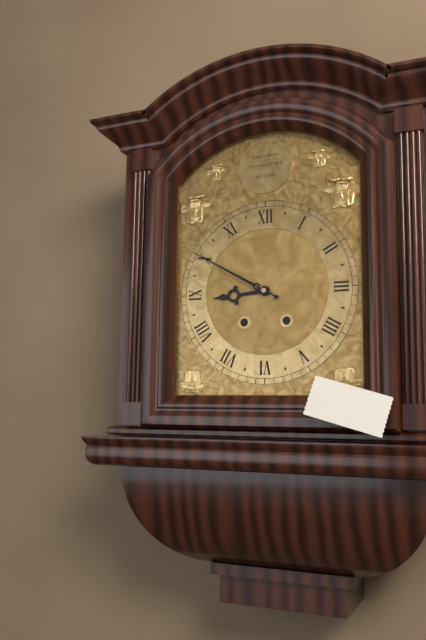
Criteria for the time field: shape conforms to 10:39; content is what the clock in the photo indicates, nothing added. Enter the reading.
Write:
8:50
